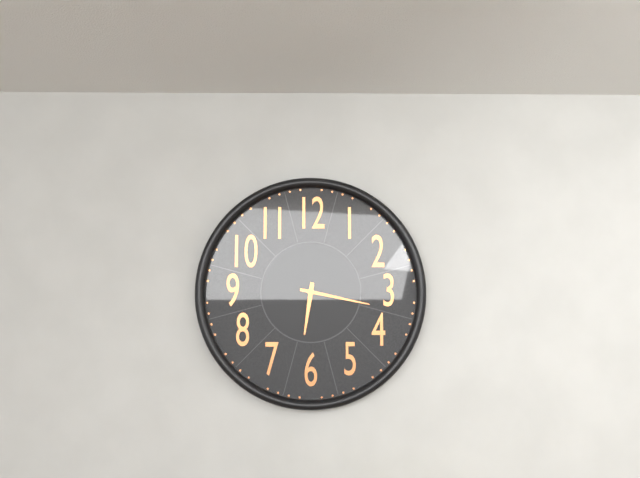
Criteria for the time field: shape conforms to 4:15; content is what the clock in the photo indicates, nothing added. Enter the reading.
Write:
6:17
